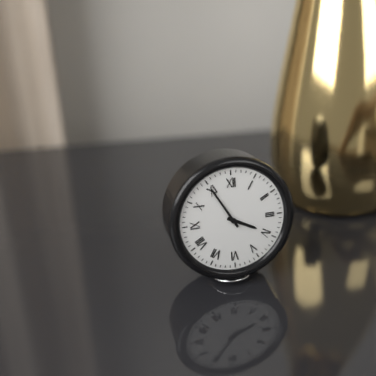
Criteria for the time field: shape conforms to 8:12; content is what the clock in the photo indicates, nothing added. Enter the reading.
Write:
3:55
